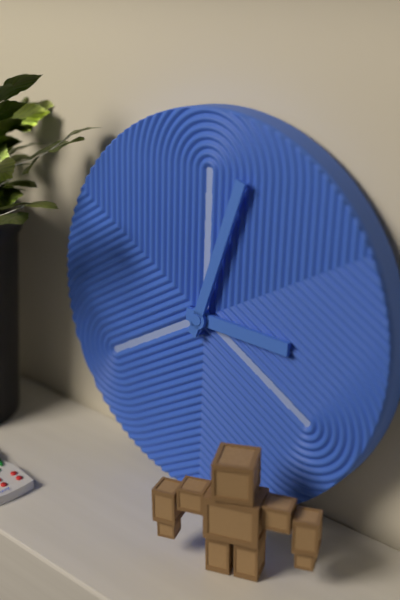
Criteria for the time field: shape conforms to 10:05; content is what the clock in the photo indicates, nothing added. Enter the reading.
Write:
3:03
